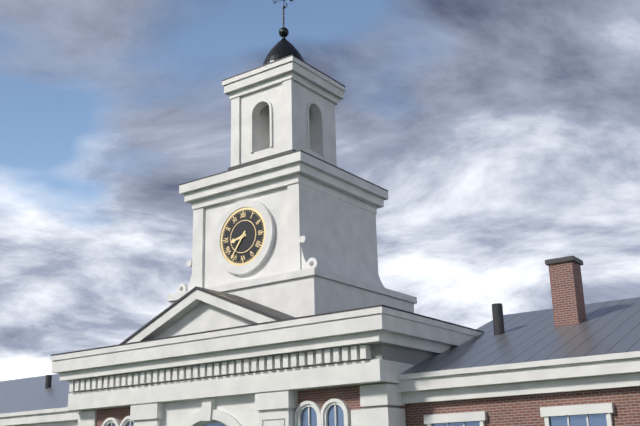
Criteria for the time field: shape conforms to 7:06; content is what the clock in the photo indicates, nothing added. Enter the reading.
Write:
8:36
